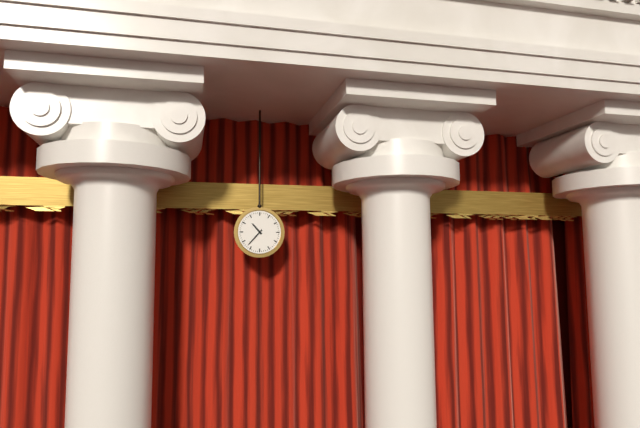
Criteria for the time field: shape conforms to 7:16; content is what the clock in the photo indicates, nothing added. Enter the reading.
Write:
10:37
